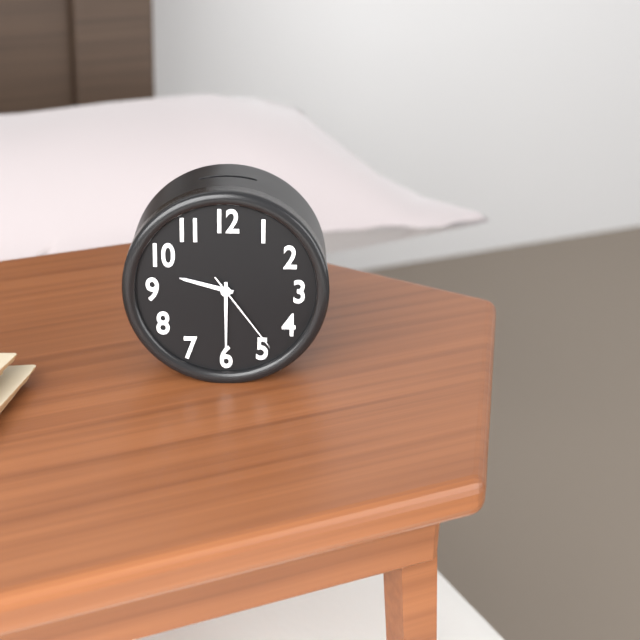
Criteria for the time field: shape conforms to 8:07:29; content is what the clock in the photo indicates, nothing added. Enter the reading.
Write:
9:30:24
